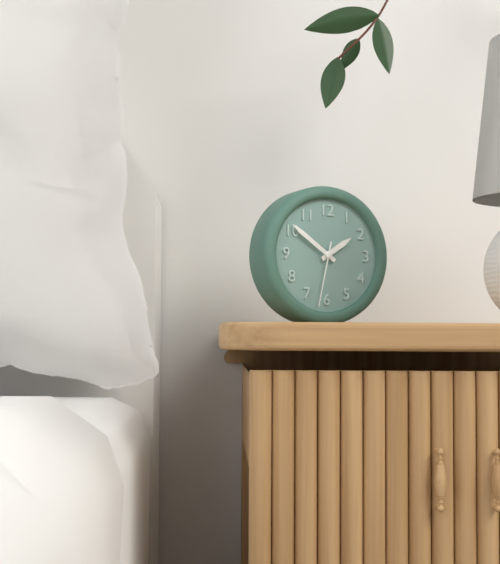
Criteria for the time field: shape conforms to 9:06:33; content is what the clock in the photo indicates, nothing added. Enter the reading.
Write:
1:51:32
